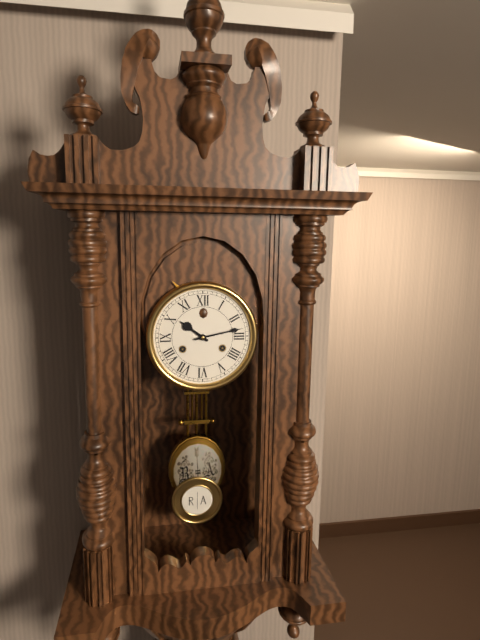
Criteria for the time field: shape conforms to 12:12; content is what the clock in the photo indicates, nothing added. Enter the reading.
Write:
10:13
